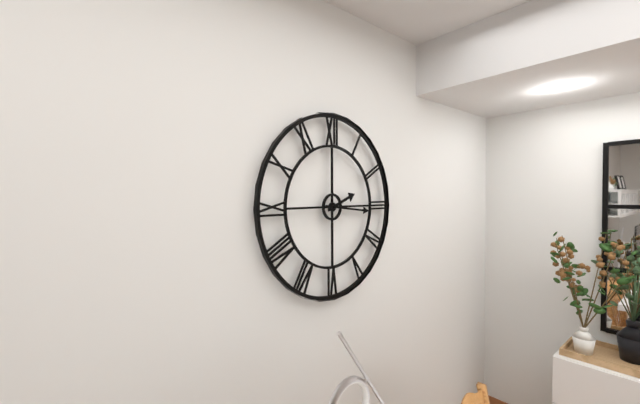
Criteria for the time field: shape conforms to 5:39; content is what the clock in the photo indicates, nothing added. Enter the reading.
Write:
2:16
